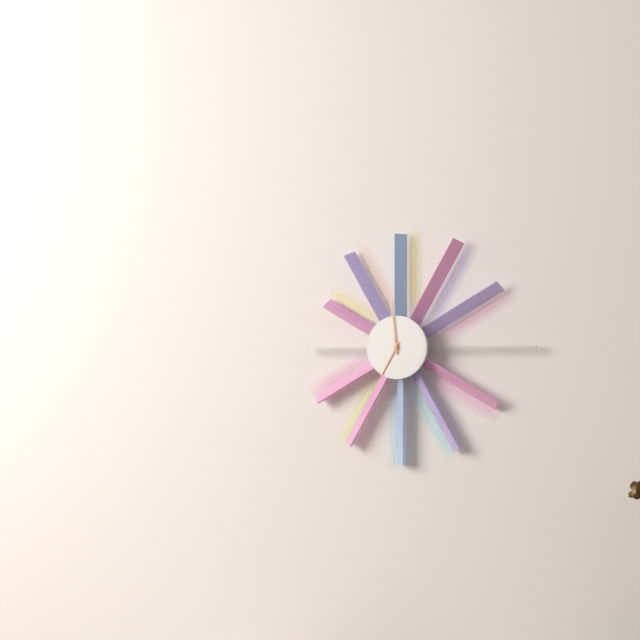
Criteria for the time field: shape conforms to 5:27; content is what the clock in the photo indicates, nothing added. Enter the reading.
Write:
6:59
